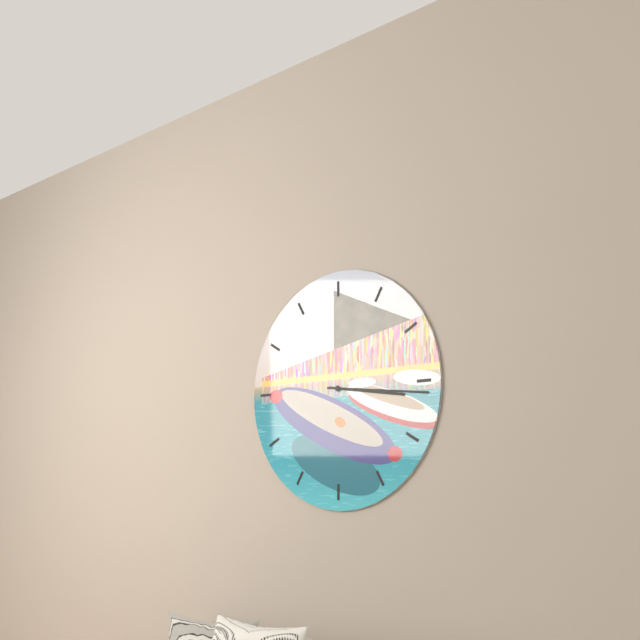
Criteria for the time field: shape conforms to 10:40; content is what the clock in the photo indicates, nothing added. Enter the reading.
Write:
3:16
